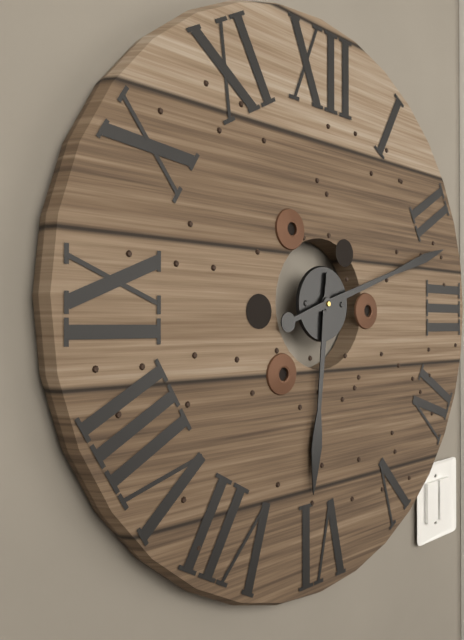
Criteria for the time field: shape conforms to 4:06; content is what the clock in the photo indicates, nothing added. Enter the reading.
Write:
6:12
